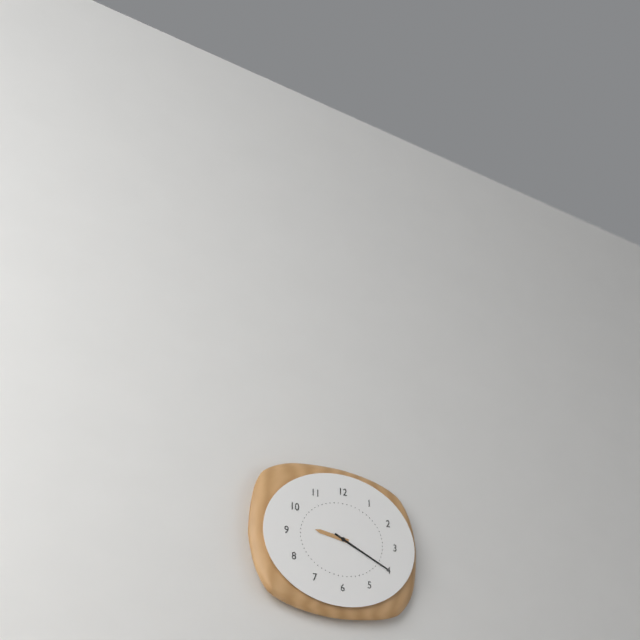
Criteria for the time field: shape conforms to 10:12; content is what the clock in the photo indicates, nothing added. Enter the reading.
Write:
9:19
